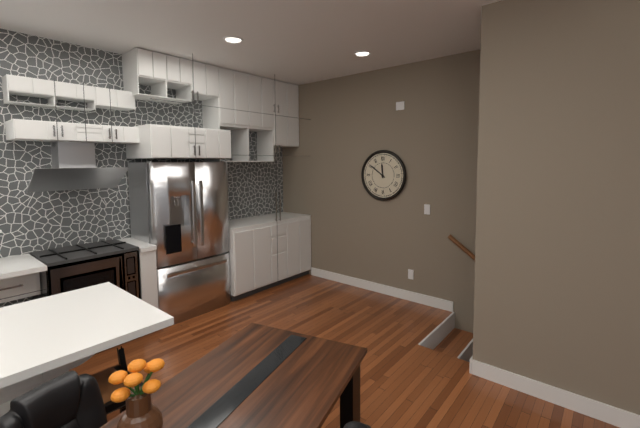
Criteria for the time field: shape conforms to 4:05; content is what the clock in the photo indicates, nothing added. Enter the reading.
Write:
11:51
